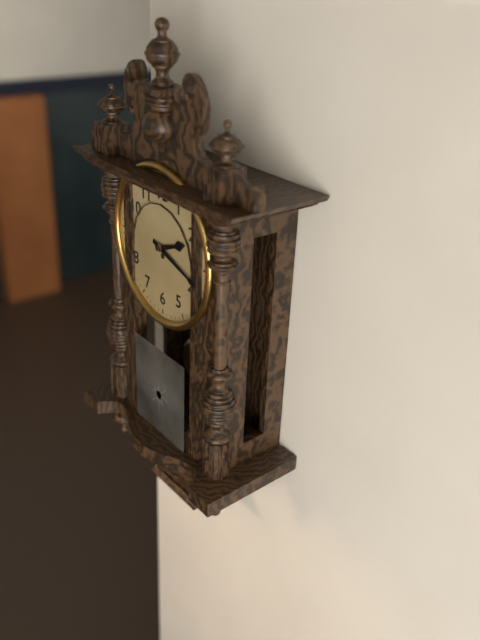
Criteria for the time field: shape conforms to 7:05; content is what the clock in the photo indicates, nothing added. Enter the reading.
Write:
2:18
